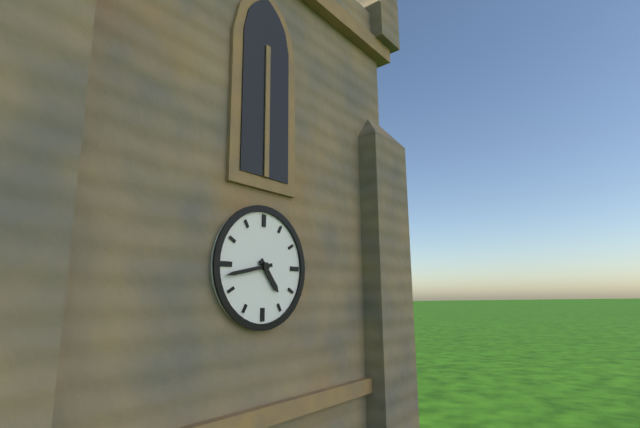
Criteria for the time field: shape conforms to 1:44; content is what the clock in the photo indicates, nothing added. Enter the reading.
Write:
4:43
